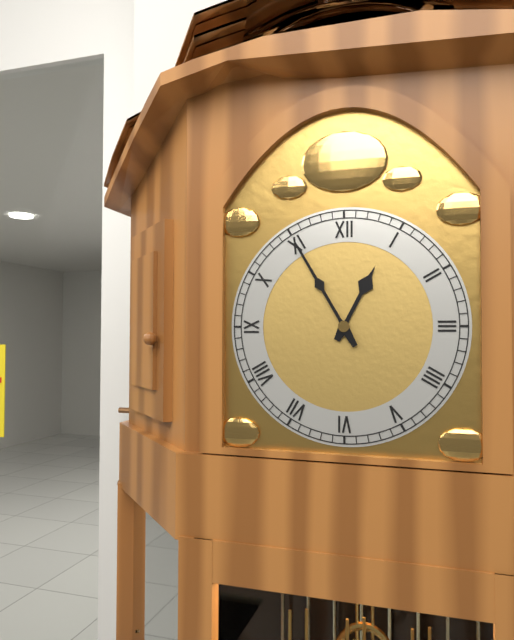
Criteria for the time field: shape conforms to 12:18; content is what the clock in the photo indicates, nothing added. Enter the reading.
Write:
12:55
